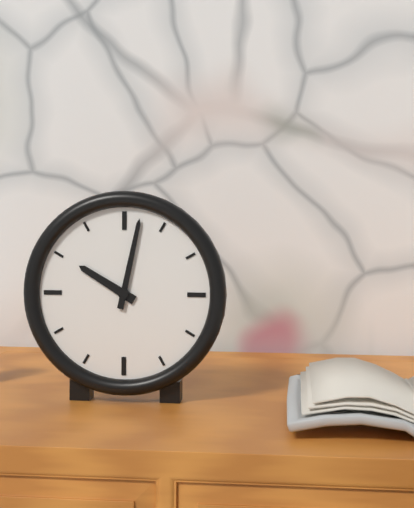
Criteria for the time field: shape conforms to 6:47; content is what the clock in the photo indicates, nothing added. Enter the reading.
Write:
10:02
